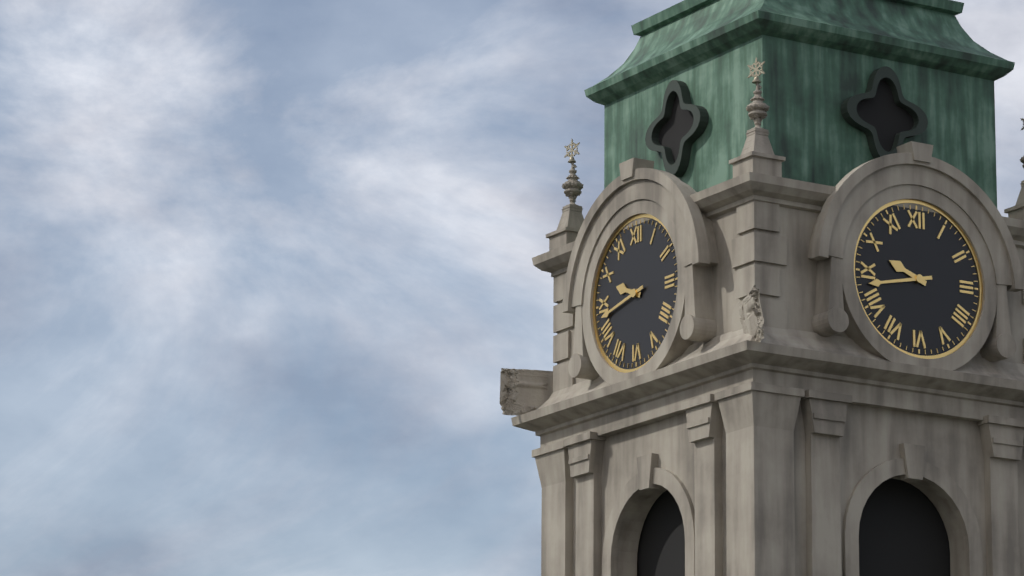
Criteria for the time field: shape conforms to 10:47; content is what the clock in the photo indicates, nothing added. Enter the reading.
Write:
9:43
